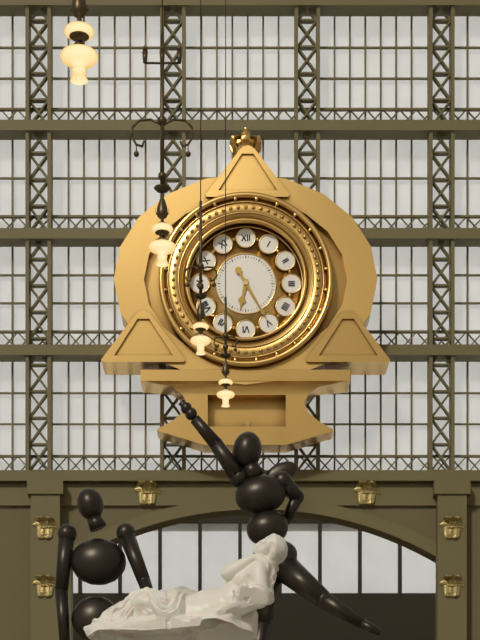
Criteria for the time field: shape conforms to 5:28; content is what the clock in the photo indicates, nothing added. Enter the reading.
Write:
6:25
